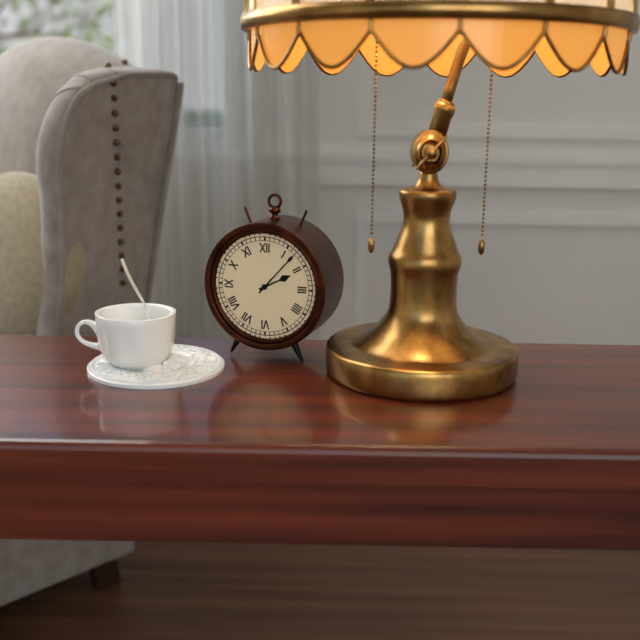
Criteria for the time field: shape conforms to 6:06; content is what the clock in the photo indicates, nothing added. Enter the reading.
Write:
2:07
